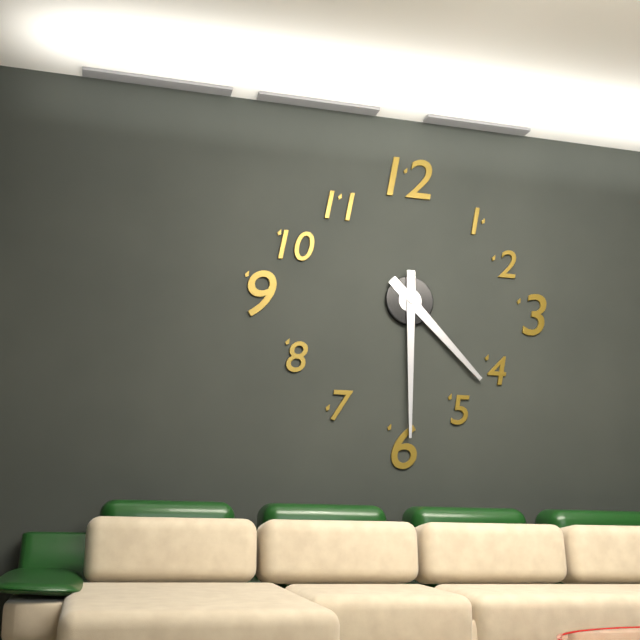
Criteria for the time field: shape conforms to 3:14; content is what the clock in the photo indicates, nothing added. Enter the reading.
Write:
4:30
